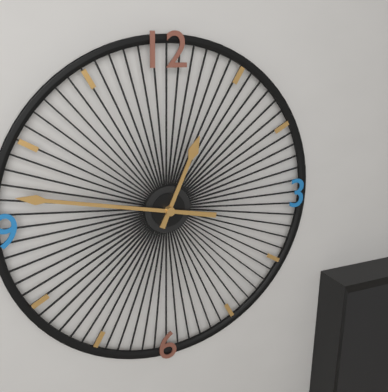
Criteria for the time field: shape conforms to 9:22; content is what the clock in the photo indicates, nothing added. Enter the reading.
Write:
12:47
